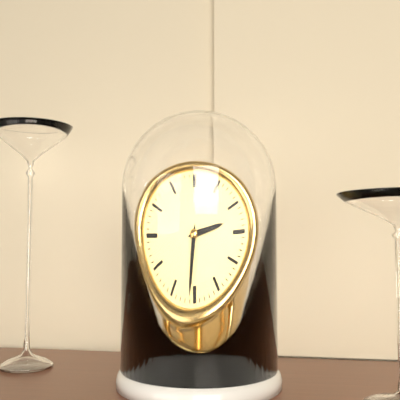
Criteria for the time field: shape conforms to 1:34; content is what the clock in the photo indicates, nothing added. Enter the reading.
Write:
2:31
